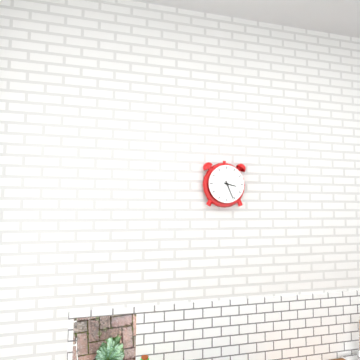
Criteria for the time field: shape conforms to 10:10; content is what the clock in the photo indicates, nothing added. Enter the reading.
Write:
3:26
